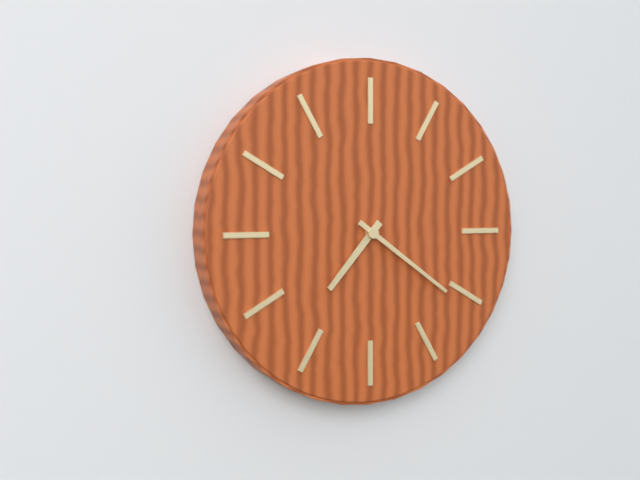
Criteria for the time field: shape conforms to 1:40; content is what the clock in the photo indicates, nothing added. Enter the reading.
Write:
7:21
